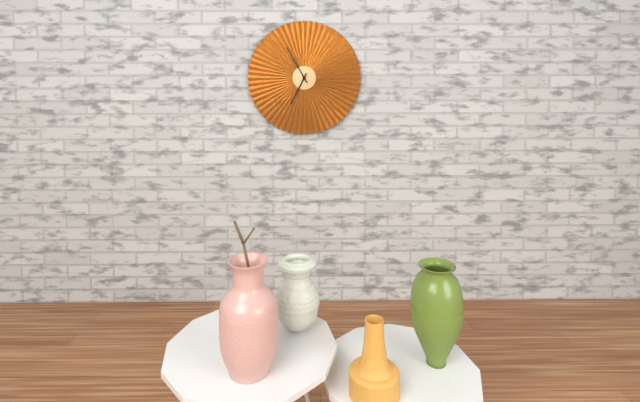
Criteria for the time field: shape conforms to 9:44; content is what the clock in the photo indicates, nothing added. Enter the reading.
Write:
6:55
